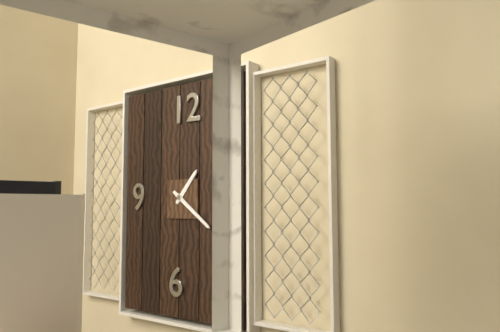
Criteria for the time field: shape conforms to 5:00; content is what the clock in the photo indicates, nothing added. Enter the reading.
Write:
1:21
